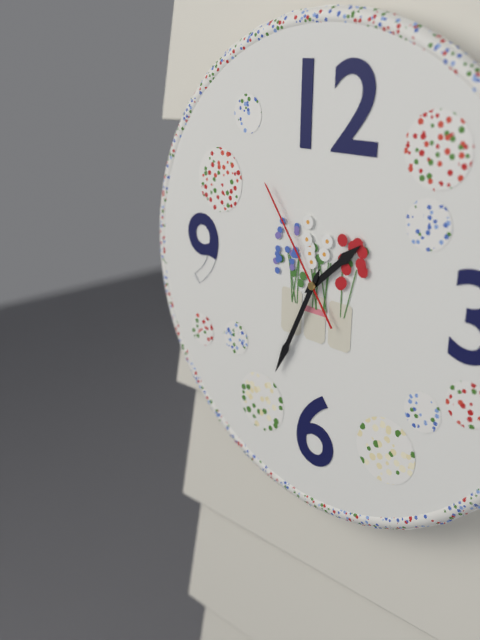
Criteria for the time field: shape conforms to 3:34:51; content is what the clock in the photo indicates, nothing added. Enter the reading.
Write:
1:34:54
